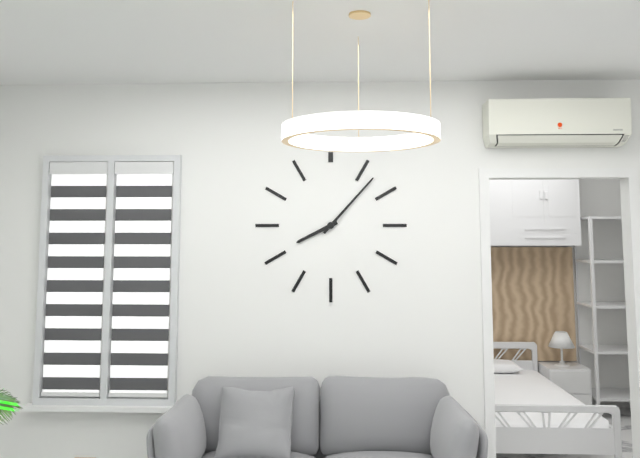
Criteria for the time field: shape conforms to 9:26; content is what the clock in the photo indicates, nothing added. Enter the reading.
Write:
8:07
